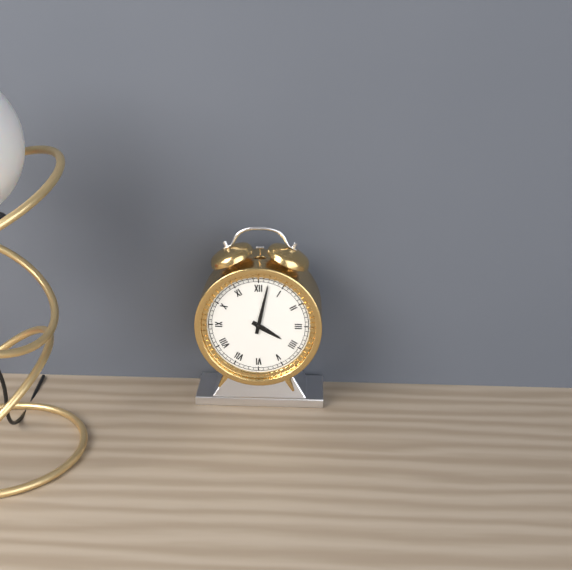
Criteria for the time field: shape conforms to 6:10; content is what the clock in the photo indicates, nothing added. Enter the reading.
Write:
4:02
